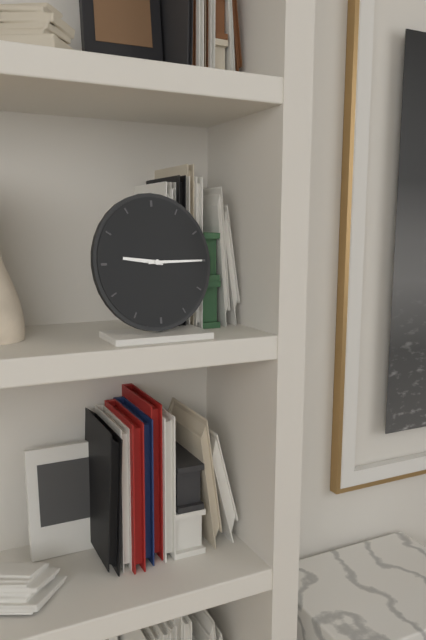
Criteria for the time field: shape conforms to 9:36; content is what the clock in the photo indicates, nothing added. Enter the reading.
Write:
9:15
